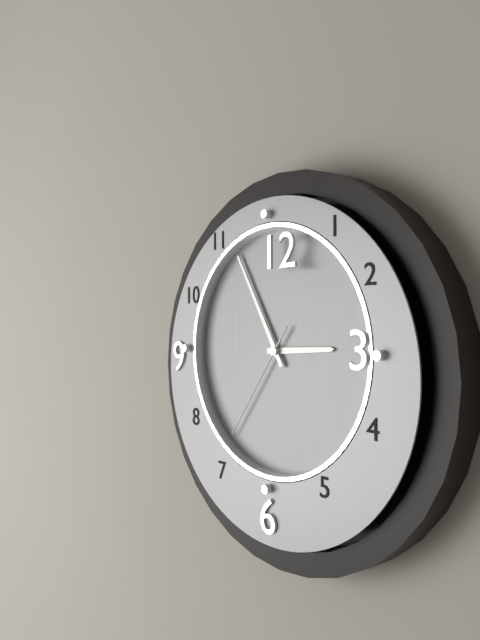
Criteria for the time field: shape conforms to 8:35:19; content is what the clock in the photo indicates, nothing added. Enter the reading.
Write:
2:55:36
